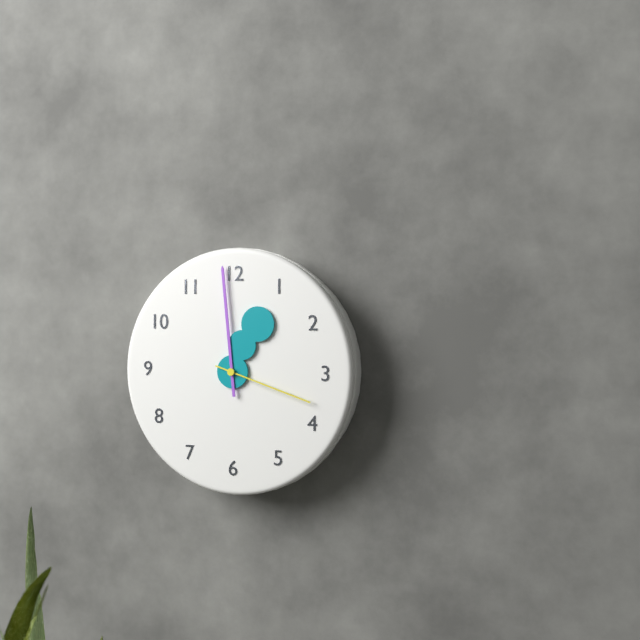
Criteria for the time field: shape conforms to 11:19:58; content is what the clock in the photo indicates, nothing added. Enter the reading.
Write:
12:59:18
